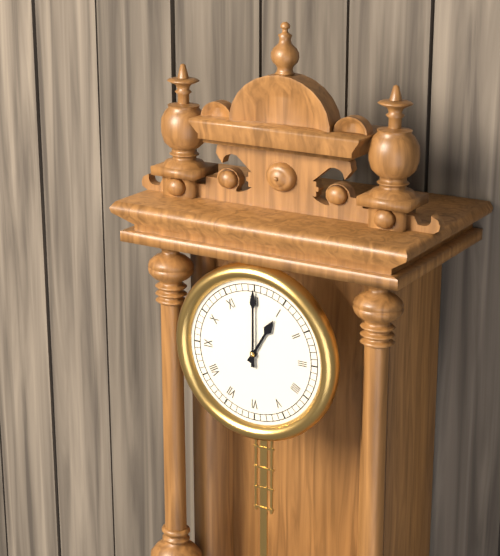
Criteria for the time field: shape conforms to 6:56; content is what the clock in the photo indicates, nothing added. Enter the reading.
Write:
1:00
